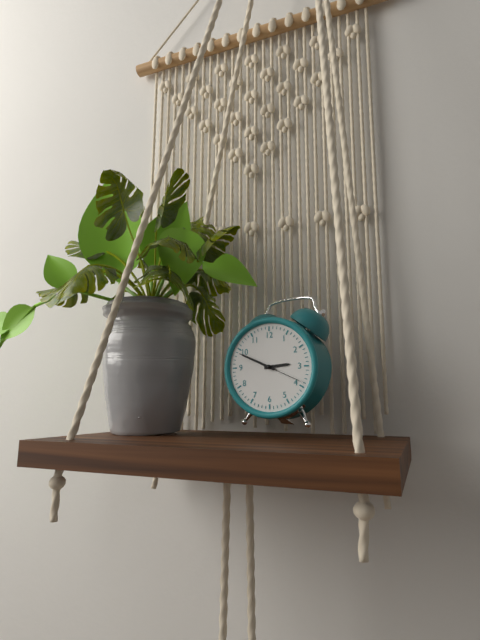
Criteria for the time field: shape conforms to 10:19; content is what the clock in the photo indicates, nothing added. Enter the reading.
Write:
2:49
